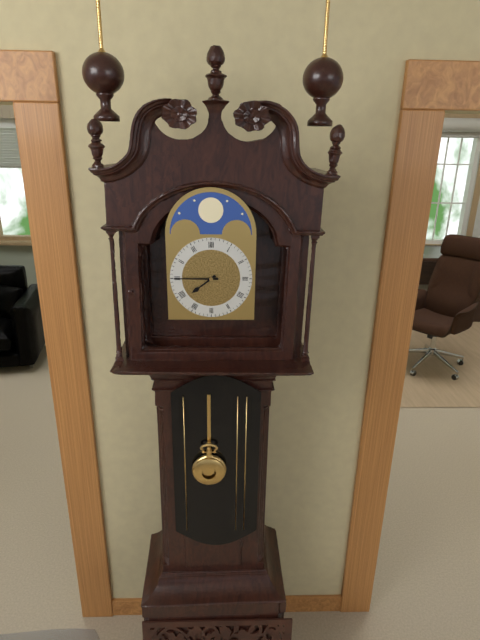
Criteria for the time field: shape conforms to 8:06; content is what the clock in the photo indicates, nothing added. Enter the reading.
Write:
7:45
